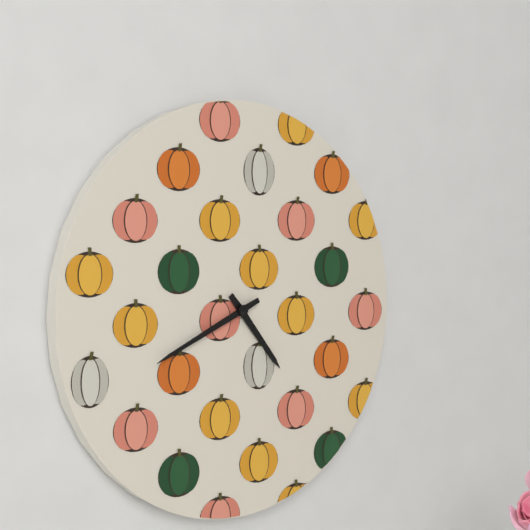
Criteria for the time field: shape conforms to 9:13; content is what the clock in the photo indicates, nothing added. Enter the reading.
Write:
4:41
